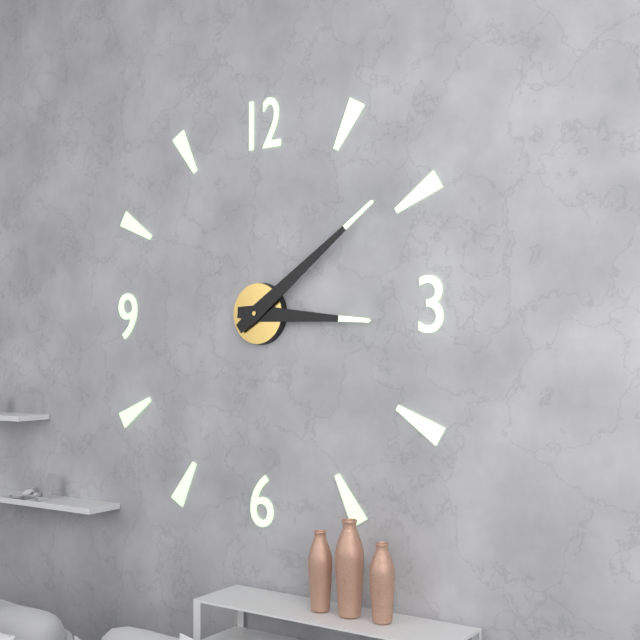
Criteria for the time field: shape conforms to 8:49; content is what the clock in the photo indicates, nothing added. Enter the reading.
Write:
3:09
